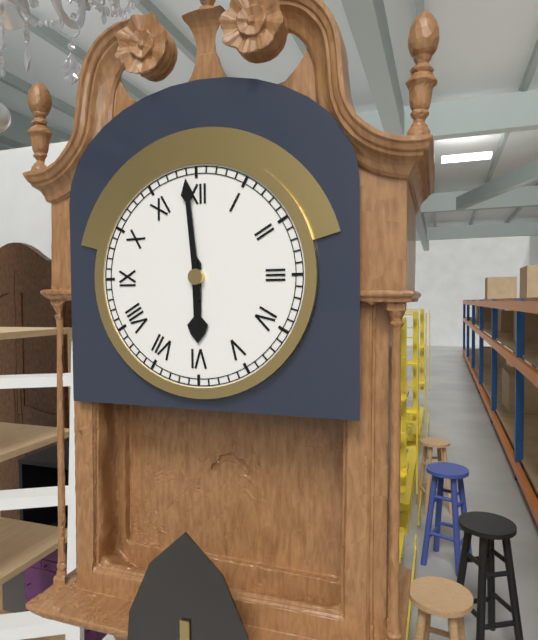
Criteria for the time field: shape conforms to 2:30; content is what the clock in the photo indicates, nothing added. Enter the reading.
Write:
5:59
